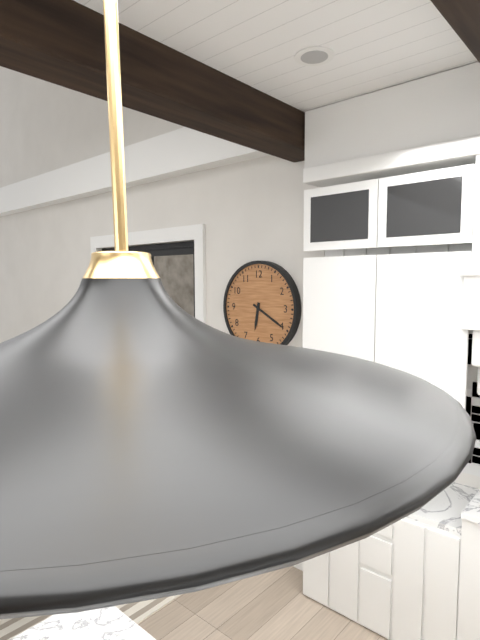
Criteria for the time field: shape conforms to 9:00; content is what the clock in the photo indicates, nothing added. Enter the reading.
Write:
6:20
